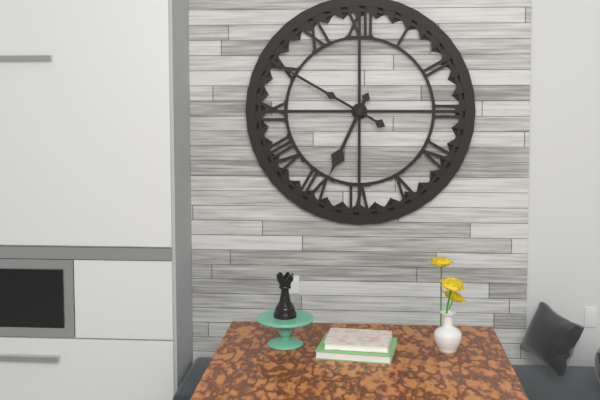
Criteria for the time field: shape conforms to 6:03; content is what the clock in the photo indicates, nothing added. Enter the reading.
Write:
6:50
